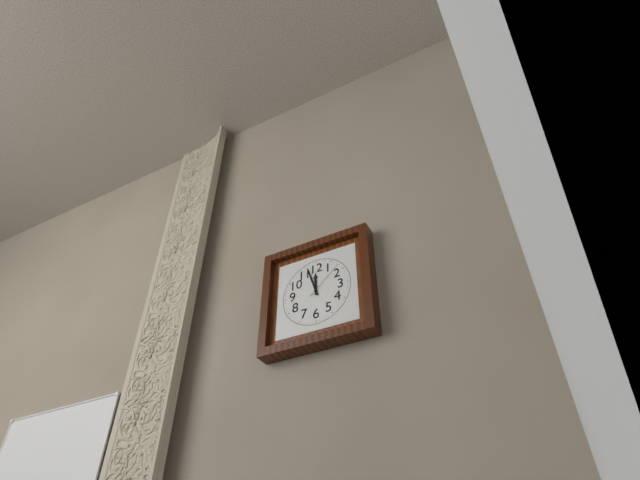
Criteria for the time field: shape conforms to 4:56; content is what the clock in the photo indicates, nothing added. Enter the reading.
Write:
11:57
